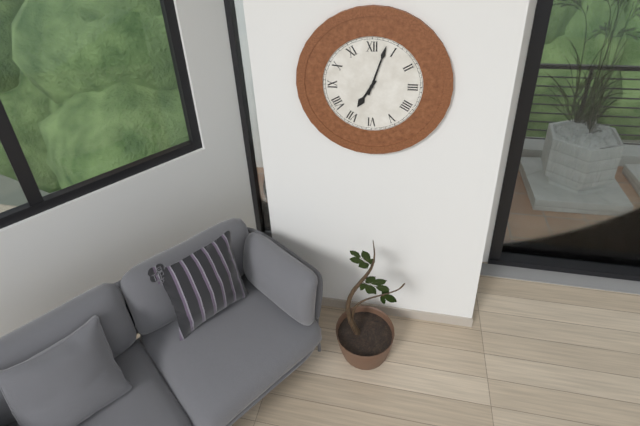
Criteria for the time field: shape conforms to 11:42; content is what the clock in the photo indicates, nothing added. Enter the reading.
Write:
7:03
